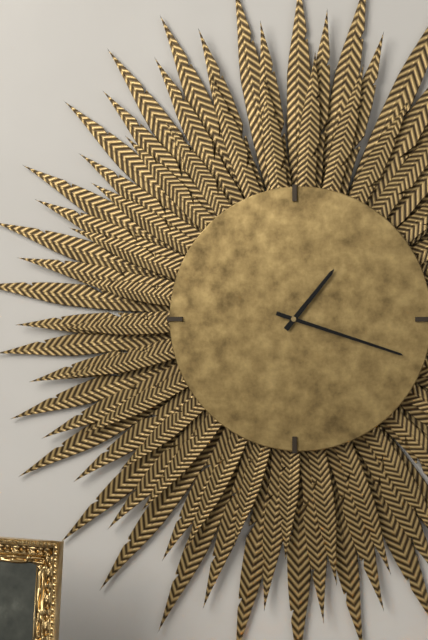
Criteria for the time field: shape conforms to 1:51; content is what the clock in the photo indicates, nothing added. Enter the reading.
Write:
1:18
